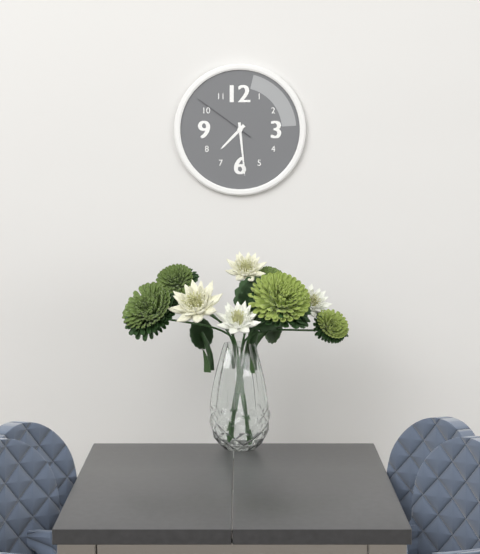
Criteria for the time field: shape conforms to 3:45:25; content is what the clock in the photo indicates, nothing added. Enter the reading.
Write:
7:29:51
